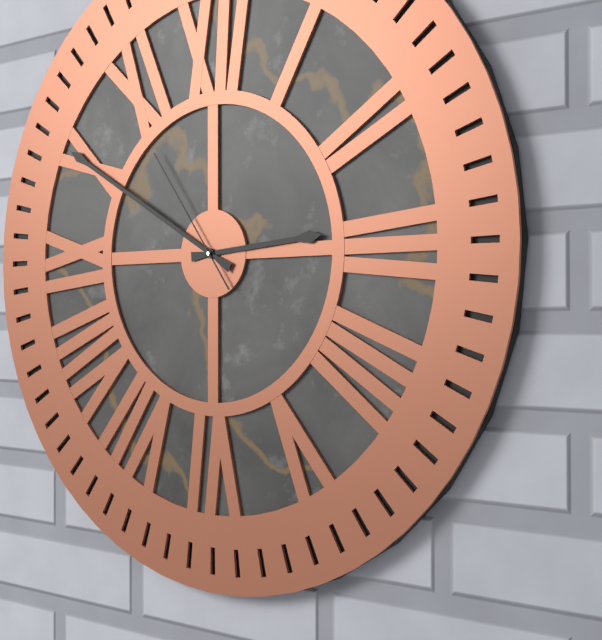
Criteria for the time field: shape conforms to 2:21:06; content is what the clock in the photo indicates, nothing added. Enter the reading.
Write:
2:50:54
